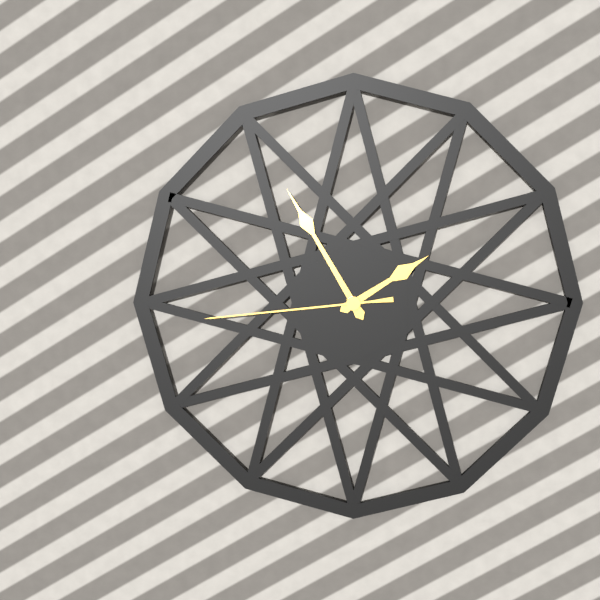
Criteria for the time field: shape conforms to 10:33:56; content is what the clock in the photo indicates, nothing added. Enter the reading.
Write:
1:55:44
